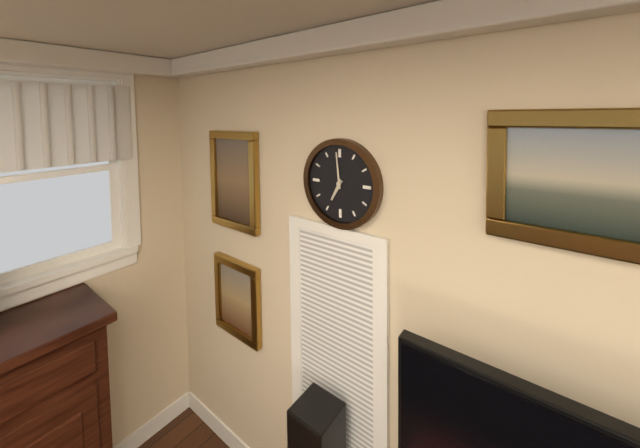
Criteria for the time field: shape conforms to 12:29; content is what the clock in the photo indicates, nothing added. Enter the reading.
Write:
6:59
